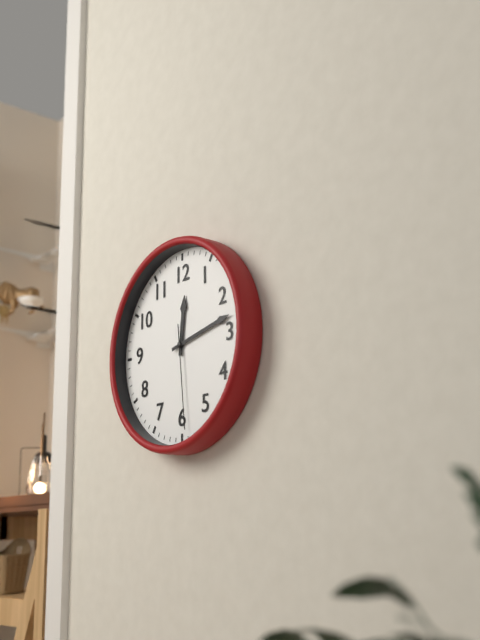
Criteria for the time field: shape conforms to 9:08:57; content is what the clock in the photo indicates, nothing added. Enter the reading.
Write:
12:13:29
